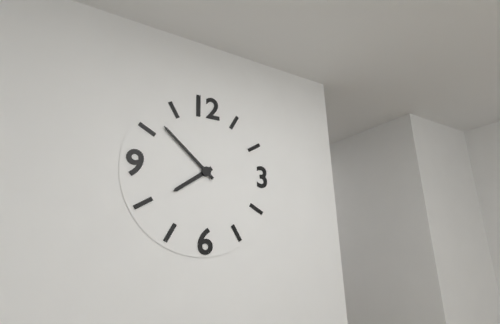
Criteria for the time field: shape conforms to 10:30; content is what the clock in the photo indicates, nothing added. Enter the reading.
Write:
7:52
